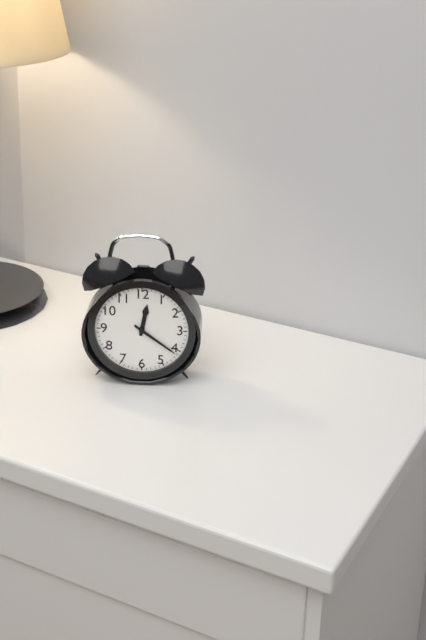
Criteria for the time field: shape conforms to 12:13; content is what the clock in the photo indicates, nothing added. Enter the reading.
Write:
12:21
